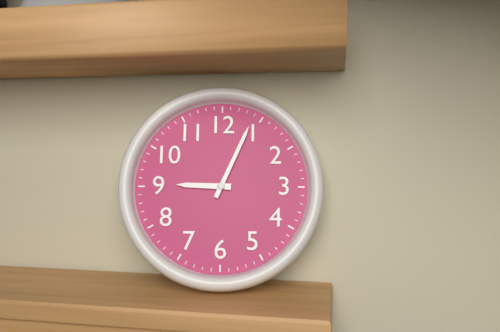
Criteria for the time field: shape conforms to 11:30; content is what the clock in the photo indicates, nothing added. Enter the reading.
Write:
9:04
